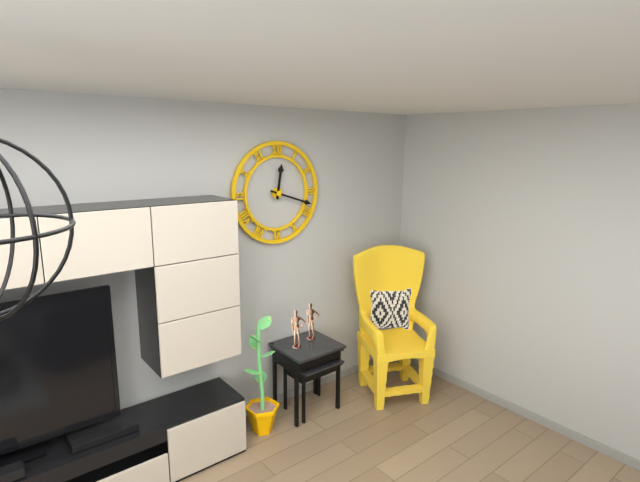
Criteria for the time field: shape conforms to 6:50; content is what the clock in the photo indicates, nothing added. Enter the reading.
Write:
12:18
